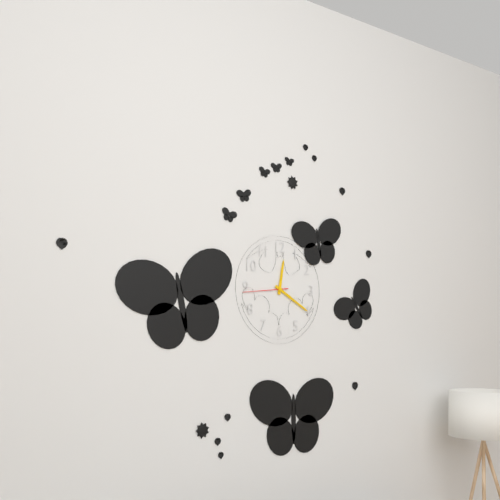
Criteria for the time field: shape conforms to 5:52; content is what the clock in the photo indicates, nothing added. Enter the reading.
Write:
12:20
